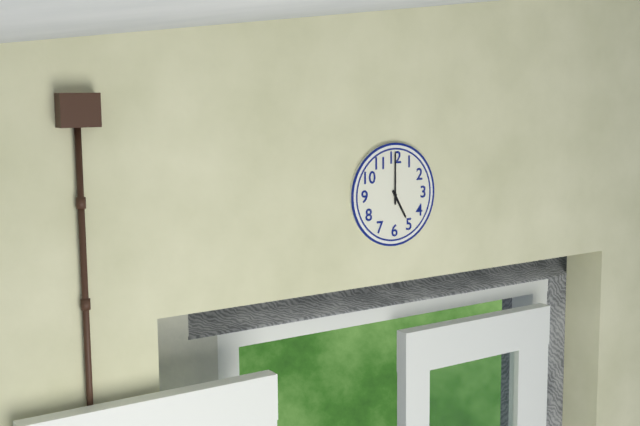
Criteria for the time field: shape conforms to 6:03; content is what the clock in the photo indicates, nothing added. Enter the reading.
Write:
5:00
